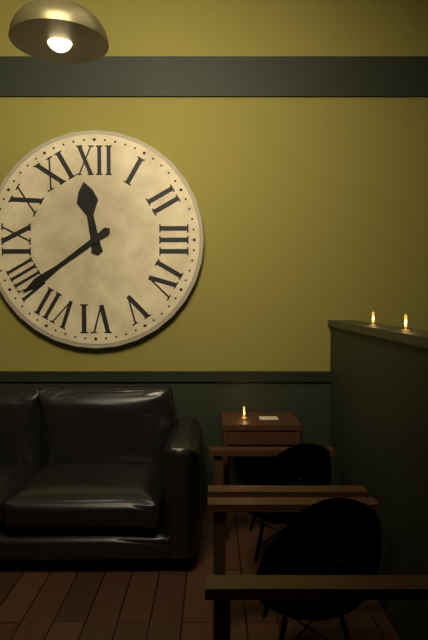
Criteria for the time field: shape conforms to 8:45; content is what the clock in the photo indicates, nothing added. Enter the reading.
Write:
11:39
